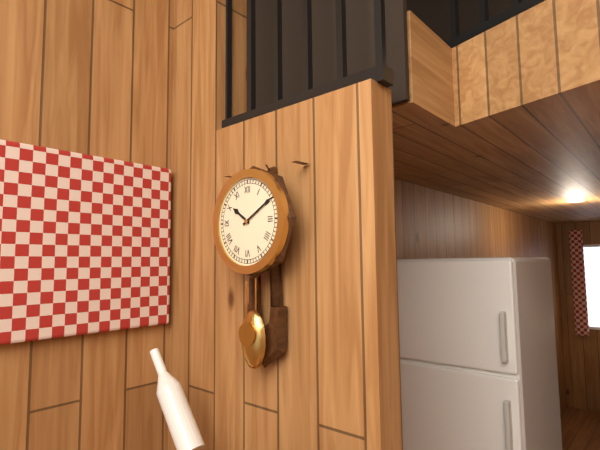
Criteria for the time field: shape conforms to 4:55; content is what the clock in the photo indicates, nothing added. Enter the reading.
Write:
10:10
